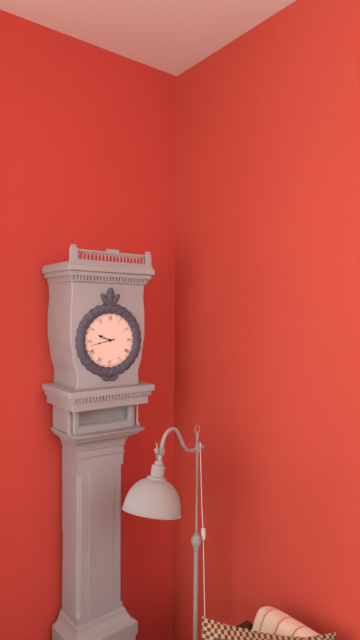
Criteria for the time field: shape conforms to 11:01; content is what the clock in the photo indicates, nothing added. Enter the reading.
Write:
9:43
